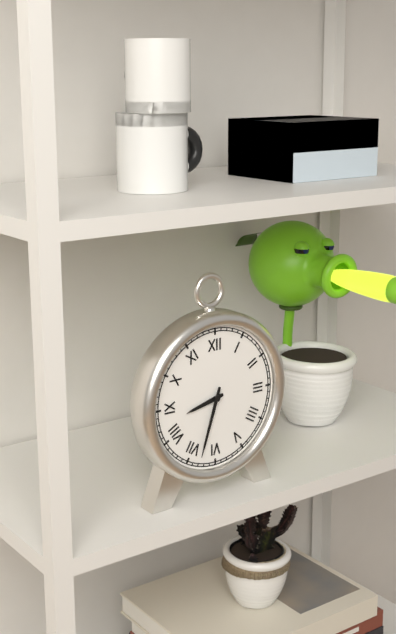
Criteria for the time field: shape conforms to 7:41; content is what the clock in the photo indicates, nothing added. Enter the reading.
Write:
8:33
